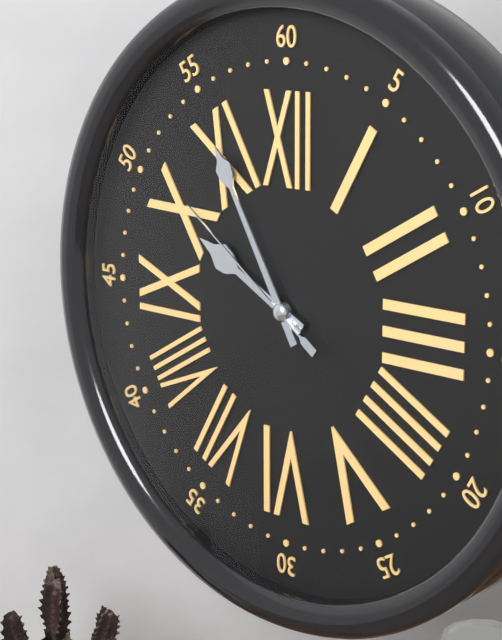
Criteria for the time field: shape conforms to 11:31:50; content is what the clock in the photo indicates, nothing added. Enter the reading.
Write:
9:55:51
